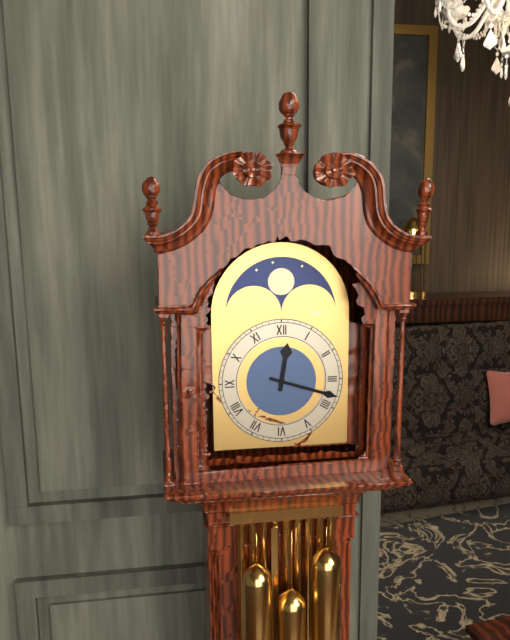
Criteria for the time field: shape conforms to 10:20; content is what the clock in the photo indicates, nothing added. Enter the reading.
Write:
12:18
